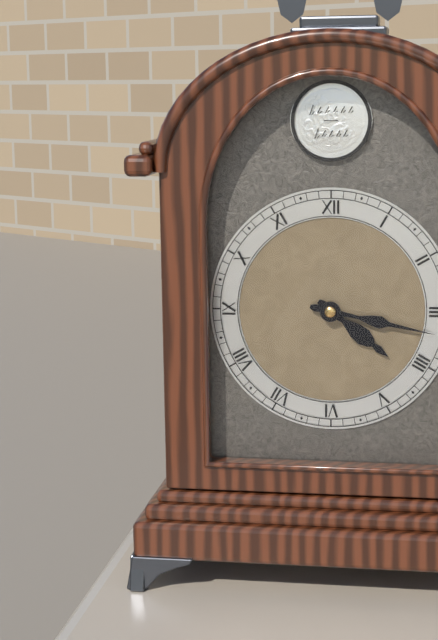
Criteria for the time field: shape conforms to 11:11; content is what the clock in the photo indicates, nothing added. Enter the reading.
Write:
4:17
